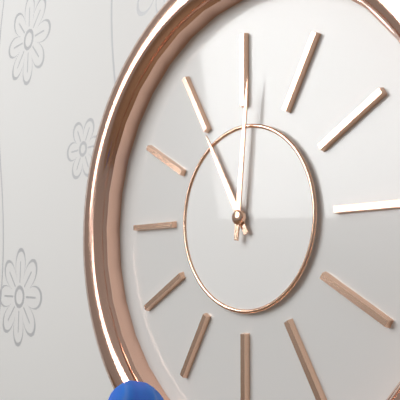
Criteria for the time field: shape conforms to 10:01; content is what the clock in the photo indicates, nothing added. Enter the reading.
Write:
11:01
